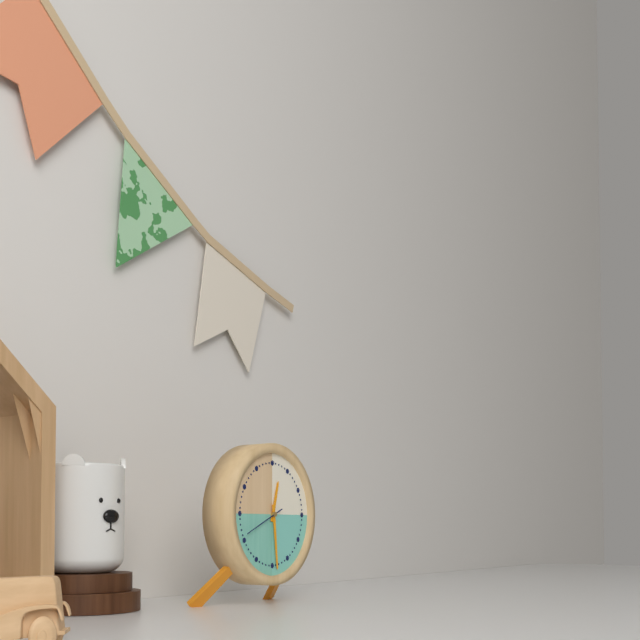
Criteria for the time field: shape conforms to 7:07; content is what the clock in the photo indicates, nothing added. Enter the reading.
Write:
12:29
